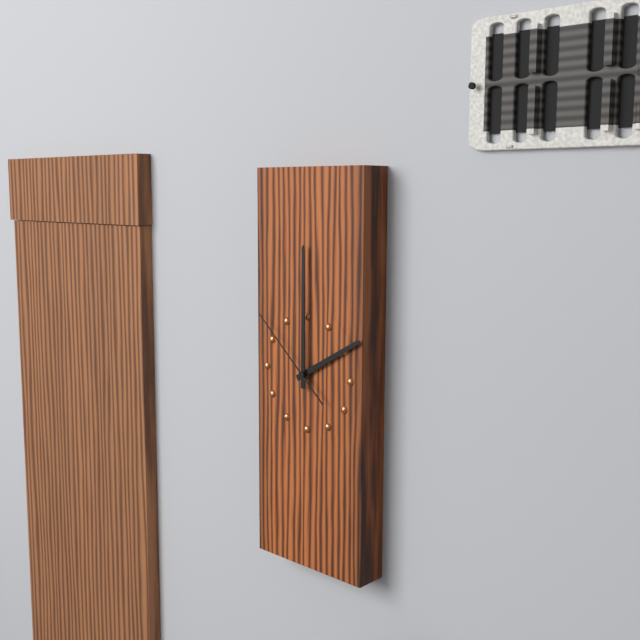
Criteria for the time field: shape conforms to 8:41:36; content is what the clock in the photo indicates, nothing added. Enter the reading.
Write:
2:00:52
